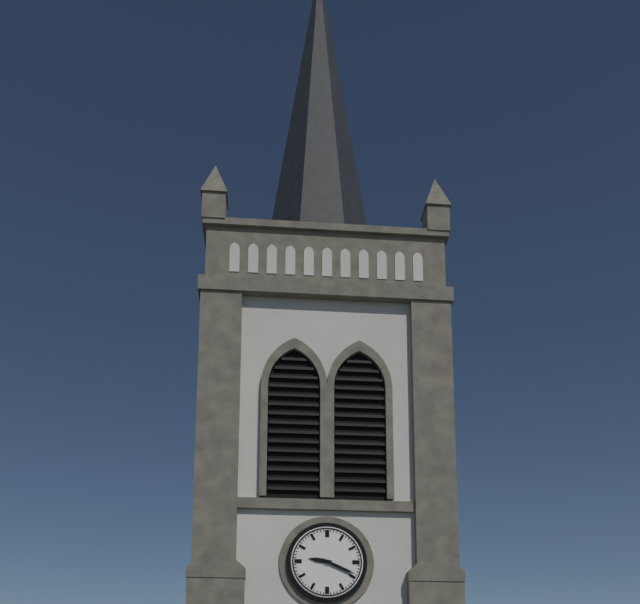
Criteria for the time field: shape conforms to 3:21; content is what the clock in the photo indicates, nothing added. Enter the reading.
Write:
9:19
